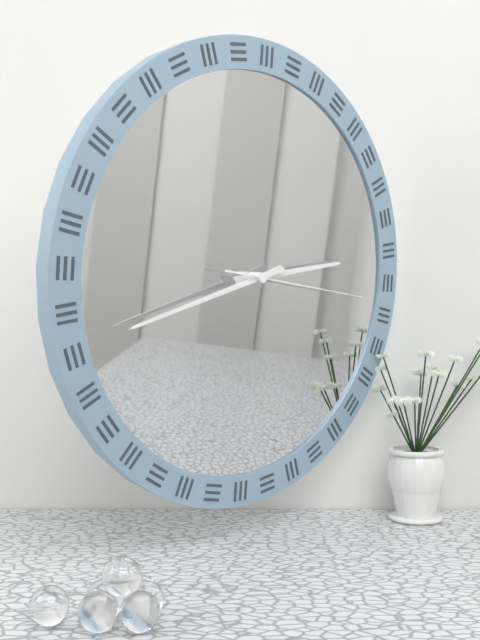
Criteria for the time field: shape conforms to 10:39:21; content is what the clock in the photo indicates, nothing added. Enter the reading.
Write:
2:42:16
